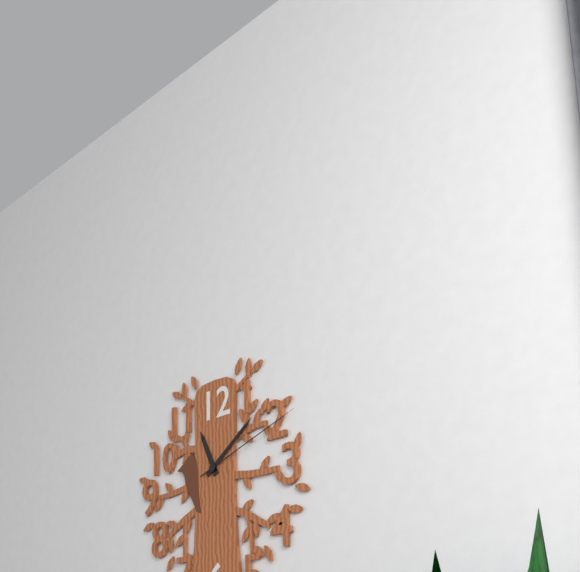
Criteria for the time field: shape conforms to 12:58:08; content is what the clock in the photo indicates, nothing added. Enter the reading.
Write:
11:09:12
